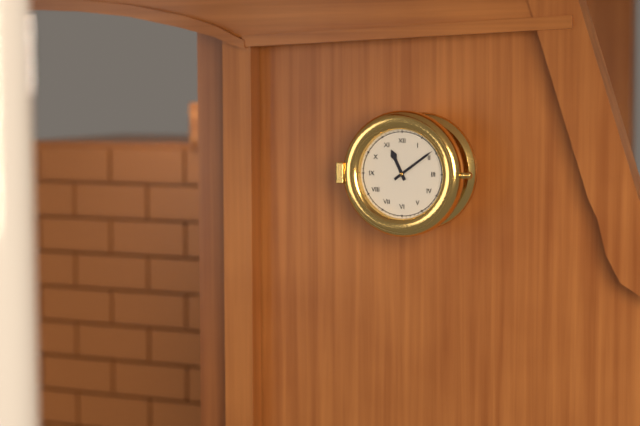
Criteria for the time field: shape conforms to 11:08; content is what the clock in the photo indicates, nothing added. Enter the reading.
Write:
11:09
